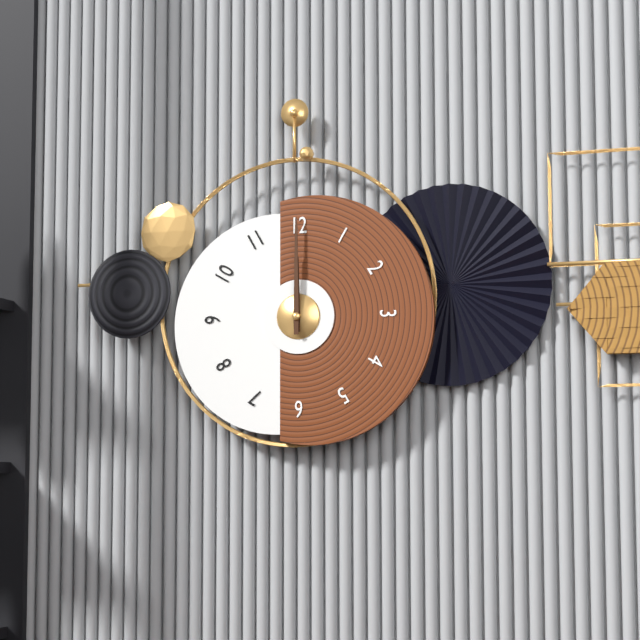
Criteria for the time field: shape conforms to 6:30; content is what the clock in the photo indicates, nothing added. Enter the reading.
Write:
12:00
